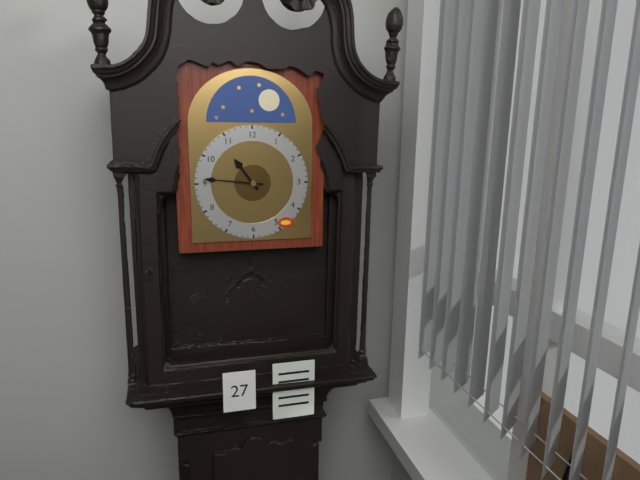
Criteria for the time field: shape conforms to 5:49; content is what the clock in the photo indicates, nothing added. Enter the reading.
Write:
10:46
